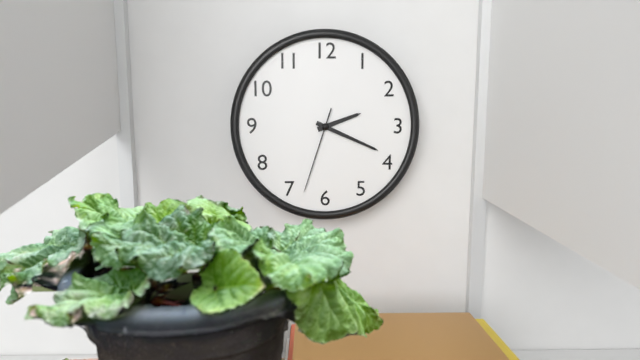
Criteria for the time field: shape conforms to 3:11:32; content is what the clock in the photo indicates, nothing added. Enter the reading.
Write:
2:19:33
